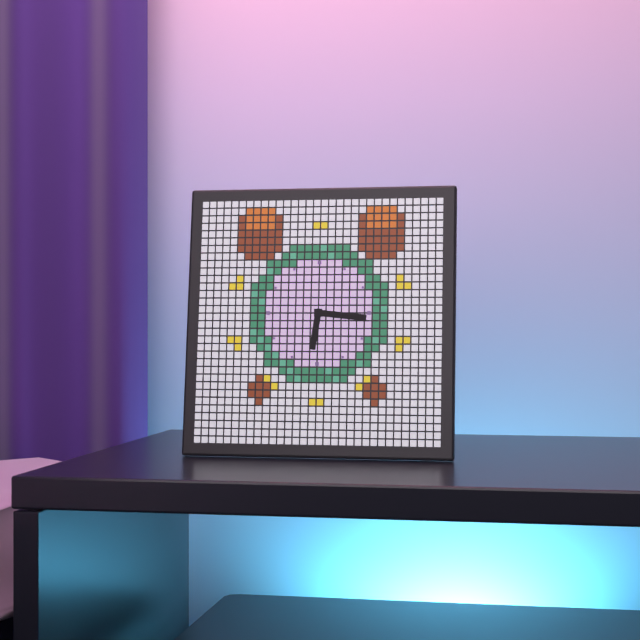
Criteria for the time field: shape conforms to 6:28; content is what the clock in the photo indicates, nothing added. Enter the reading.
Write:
6:16
